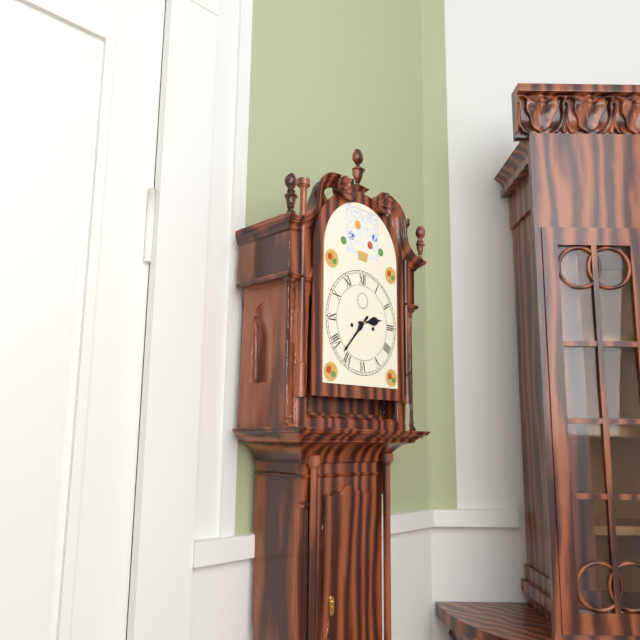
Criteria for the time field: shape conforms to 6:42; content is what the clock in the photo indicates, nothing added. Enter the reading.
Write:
2:37
